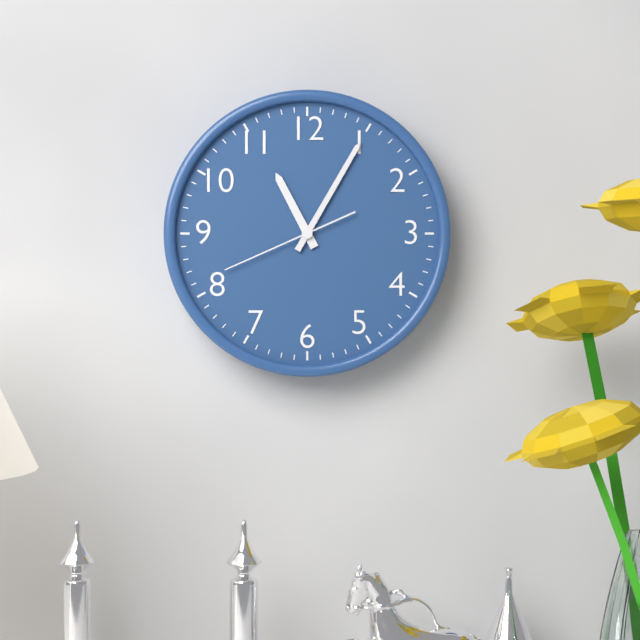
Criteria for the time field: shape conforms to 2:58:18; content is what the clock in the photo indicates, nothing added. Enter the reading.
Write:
11:05:41
